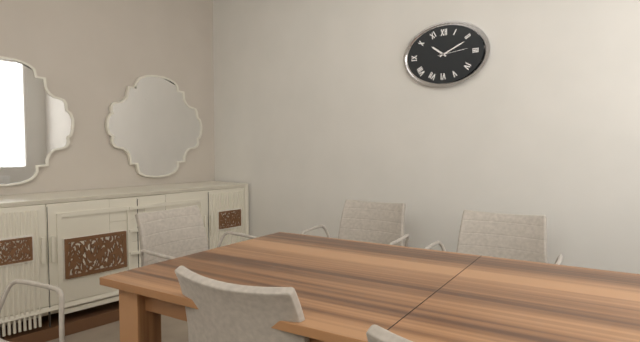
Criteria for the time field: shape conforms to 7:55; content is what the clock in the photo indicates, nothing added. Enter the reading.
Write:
10:11
